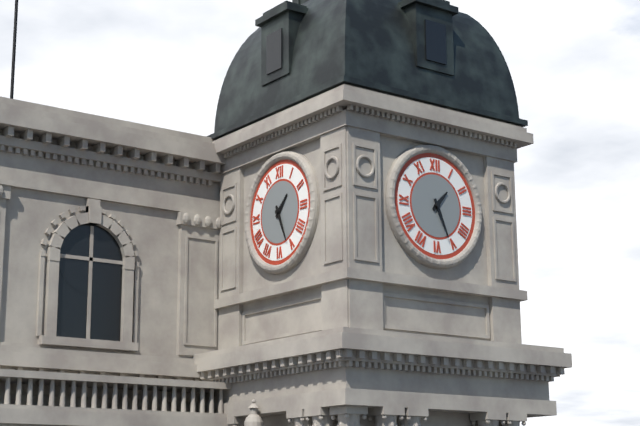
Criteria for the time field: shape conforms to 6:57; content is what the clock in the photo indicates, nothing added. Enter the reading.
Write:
1:26
